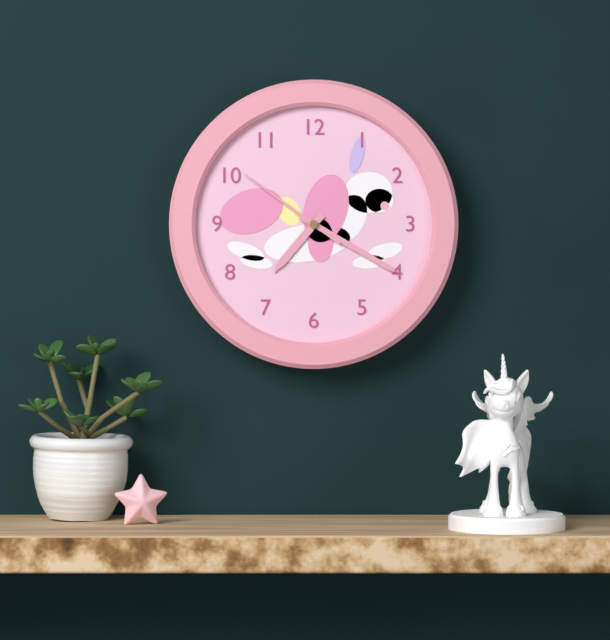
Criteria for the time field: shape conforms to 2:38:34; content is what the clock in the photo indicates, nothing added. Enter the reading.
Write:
7:20:51
